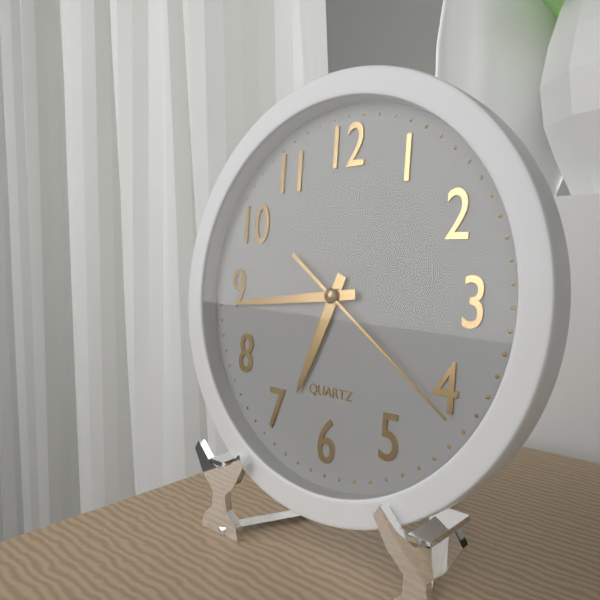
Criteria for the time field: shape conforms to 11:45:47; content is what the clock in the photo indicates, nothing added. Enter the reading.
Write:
6:44:21
